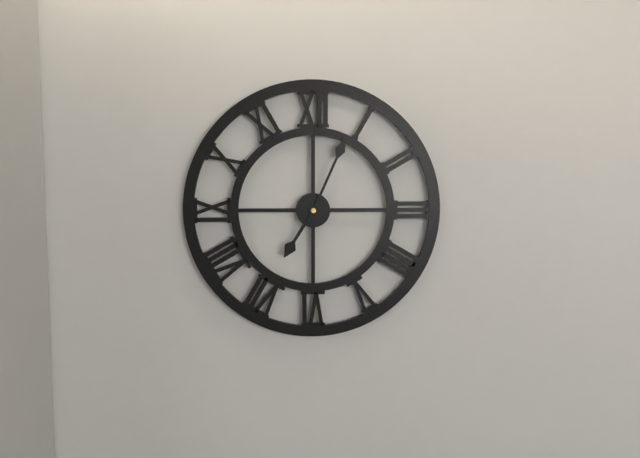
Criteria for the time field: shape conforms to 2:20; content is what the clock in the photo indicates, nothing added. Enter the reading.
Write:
7:04
